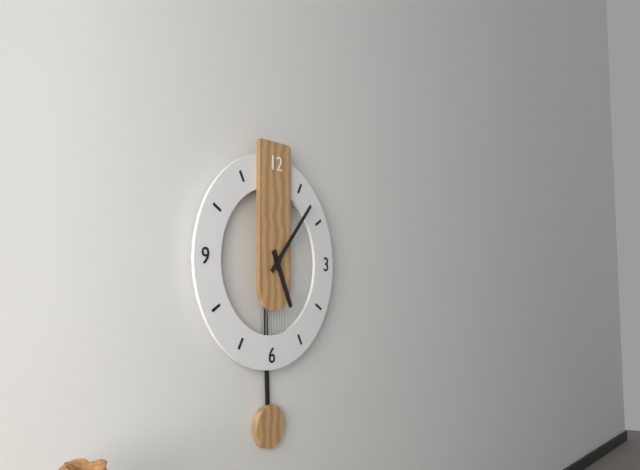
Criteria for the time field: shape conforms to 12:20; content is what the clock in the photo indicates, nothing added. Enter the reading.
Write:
5:07
